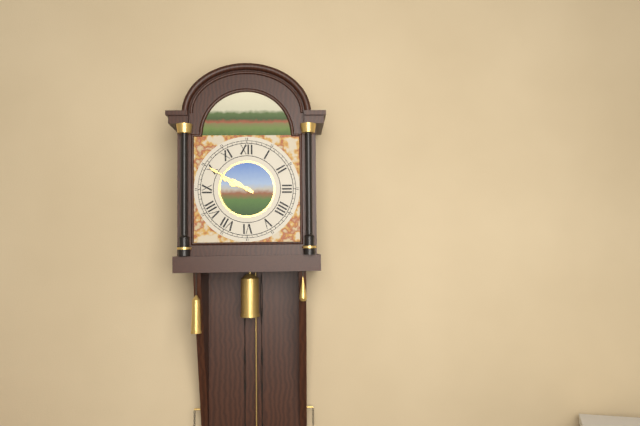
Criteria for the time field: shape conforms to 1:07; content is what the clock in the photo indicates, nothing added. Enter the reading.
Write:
9:50
